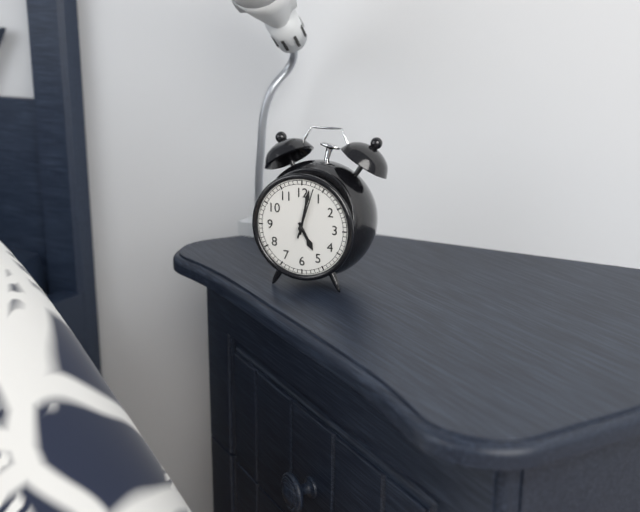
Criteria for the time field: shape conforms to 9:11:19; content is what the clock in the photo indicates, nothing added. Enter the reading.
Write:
5:02:03
